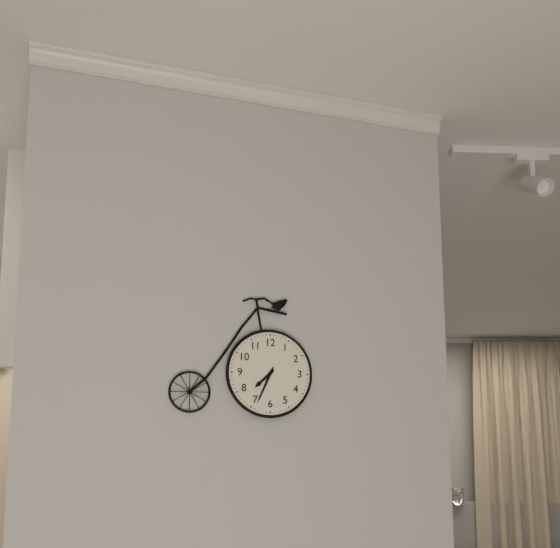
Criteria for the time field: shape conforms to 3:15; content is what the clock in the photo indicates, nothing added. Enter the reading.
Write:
7:34
